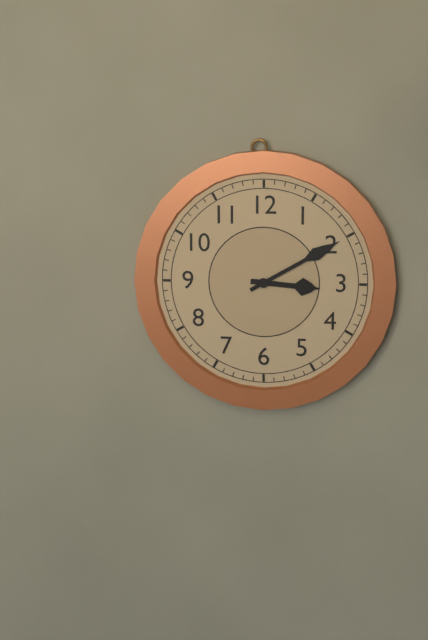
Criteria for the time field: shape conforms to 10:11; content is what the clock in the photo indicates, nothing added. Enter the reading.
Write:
3:10
